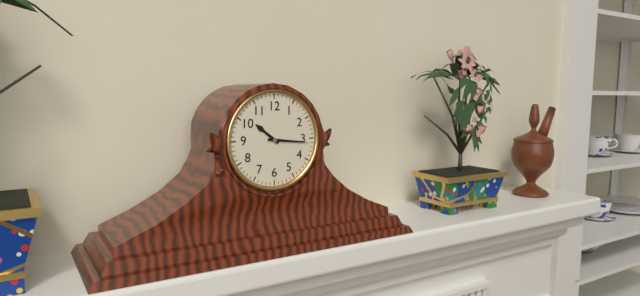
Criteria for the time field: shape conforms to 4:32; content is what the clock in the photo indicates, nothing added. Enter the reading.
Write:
10:16
